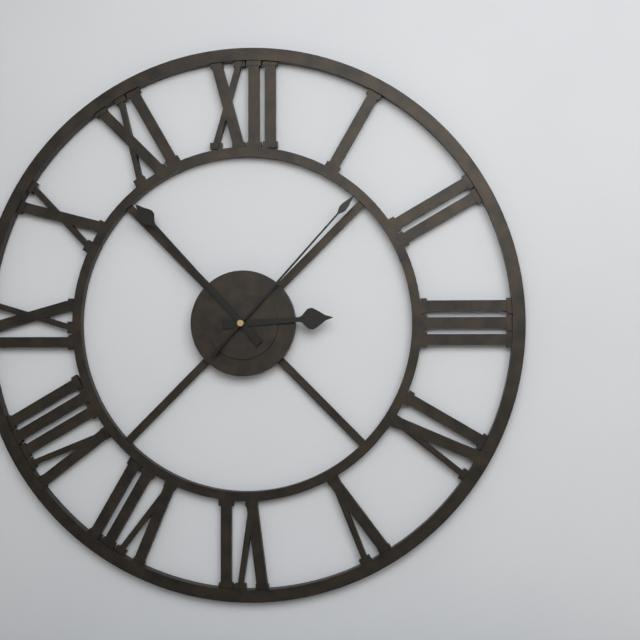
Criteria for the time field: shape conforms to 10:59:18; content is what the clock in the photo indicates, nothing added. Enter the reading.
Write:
2:53:07
